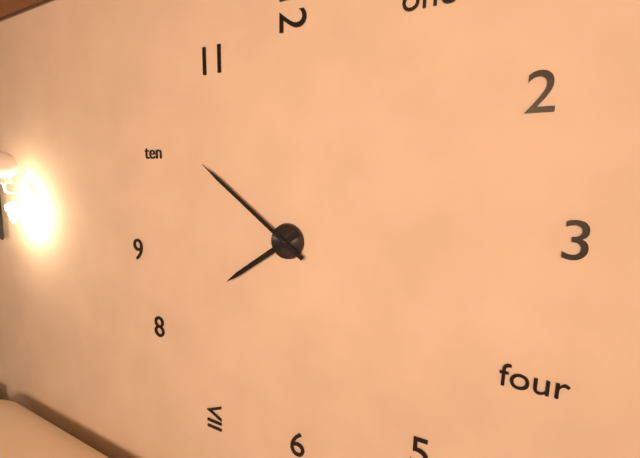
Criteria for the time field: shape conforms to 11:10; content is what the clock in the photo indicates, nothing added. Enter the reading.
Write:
7:51
